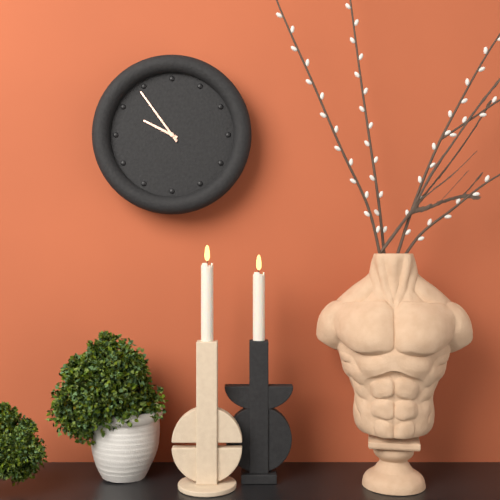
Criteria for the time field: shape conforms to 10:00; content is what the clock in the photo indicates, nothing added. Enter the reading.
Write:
9:54
